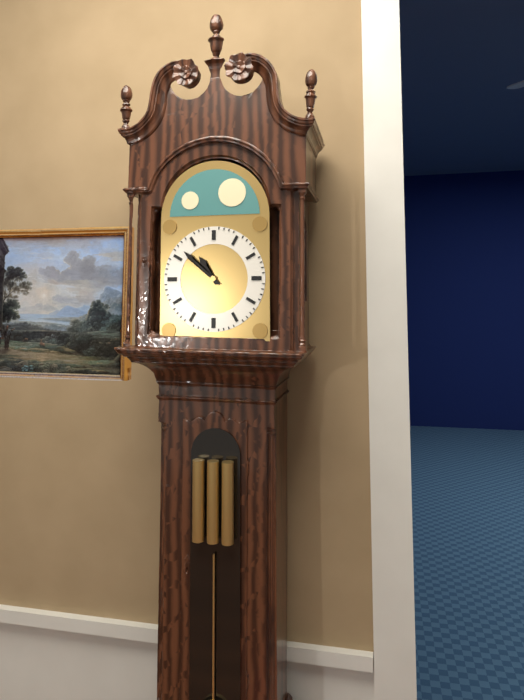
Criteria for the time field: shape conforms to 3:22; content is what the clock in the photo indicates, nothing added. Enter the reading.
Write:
10:52
